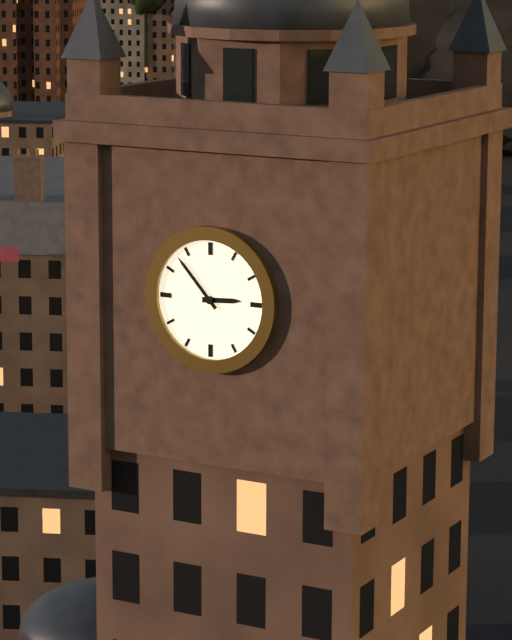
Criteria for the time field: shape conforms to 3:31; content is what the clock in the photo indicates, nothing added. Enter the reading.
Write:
2:53
